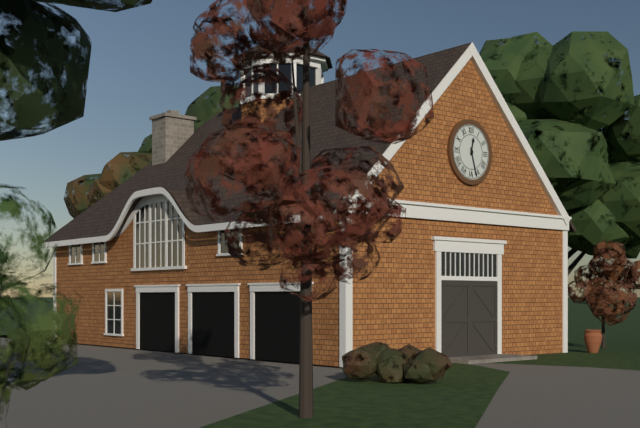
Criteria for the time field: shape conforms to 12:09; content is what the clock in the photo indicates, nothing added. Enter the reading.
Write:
12:27
